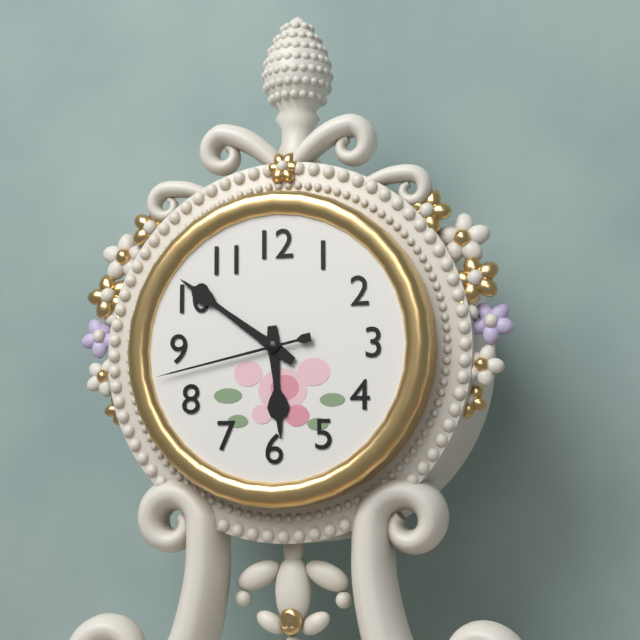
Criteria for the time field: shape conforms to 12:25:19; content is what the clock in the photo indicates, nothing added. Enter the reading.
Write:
5:51:43
